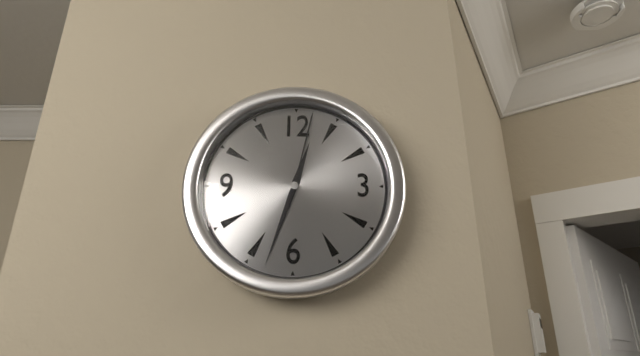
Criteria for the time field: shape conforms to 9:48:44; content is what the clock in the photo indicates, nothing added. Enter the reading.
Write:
12:33:02
